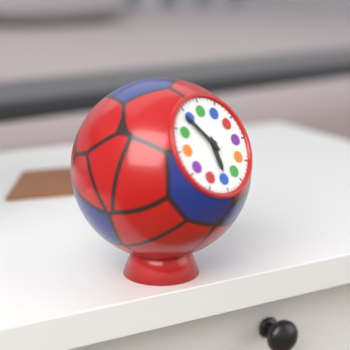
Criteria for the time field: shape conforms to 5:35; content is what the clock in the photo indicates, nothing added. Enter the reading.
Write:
5:54
